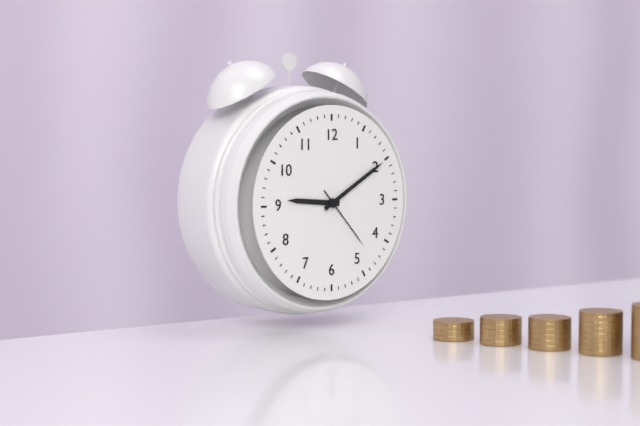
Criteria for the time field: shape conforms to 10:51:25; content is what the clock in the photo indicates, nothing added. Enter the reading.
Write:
9:10:23
